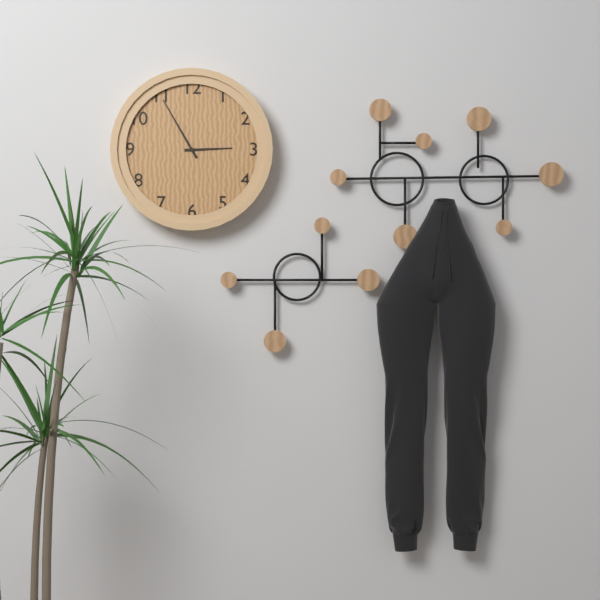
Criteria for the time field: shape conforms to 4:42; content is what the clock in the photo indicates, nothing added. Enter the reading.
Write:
2:55
